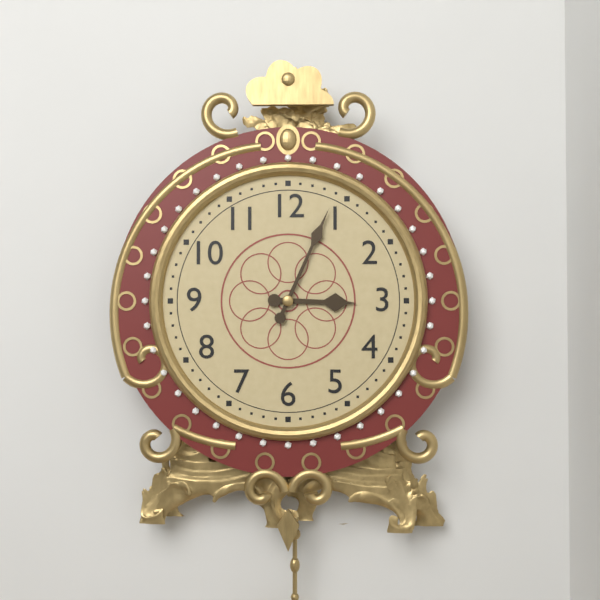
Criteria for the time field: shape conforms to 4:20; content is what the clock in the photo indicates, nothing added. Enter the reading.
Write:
3:04
